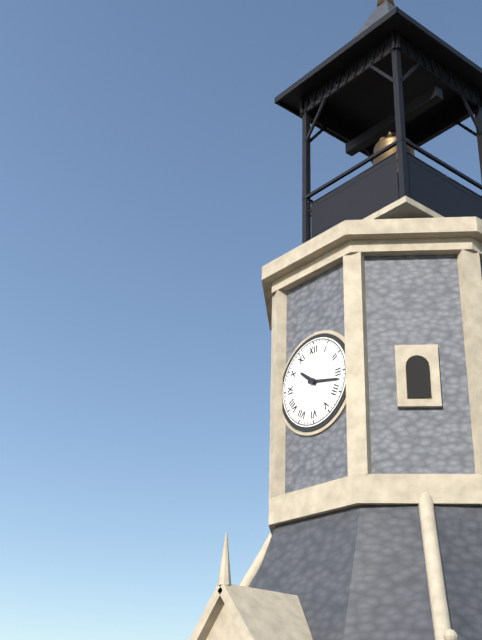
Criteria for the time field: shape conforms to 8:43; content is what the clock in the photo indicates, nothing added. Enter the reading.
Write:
10:17
